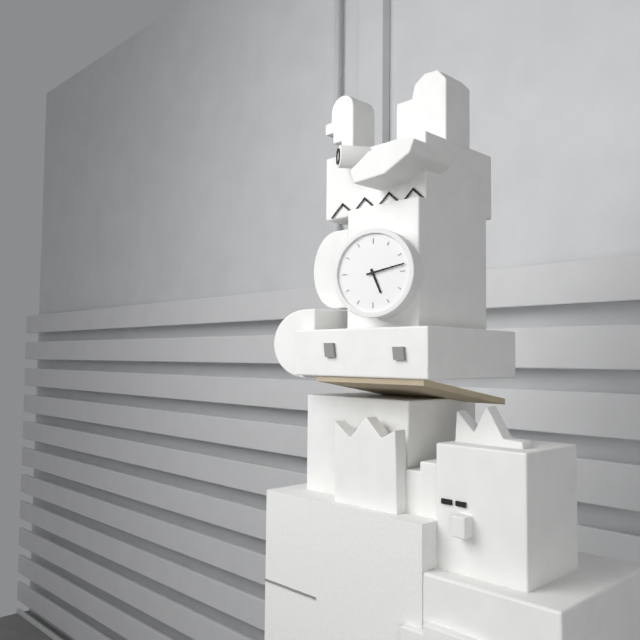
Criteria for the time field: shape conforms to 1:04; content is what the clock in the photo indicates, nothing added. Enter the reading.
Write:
5:13
